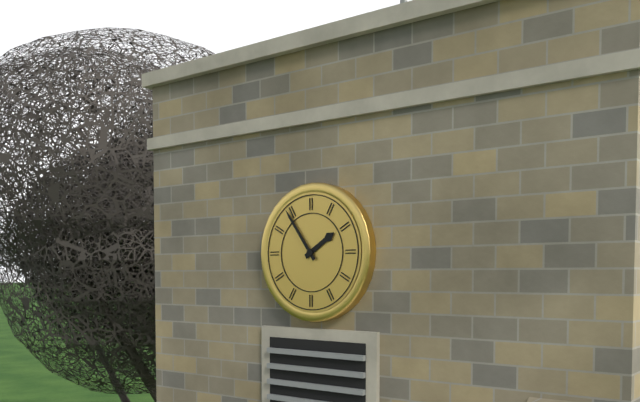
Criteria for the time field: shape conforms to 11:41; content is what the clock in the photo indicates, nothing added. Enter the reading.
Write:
1:54
